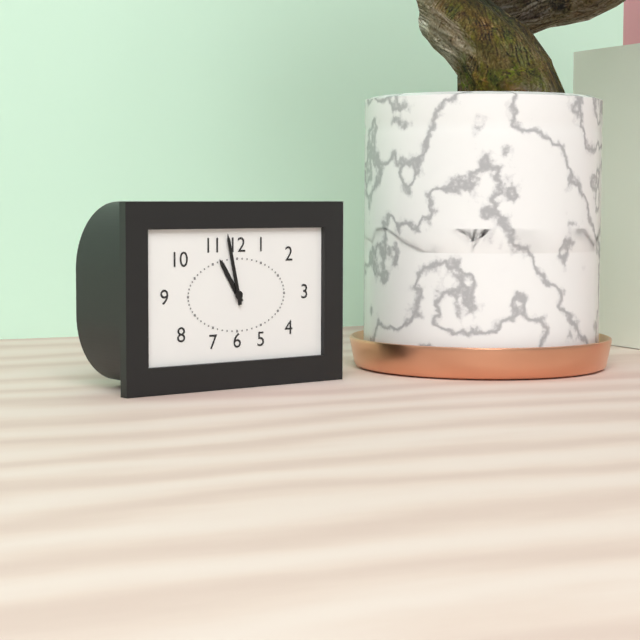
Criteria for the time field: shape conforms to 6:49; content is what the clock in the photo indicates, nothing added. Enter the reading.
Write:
10:58
